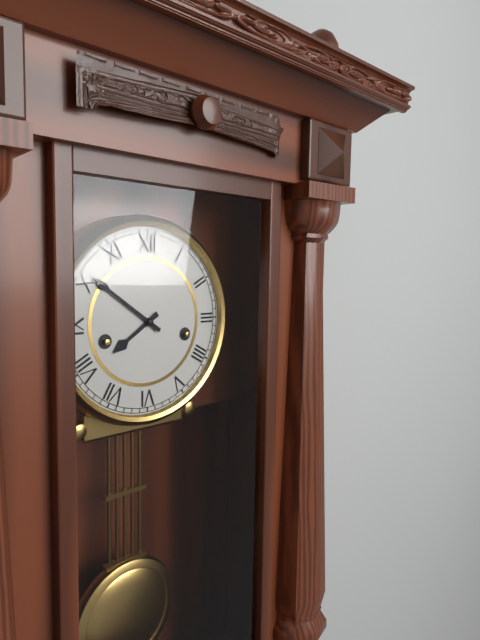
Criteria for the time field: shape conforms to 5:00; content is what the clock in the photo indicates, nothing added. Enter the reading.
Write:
7:51
